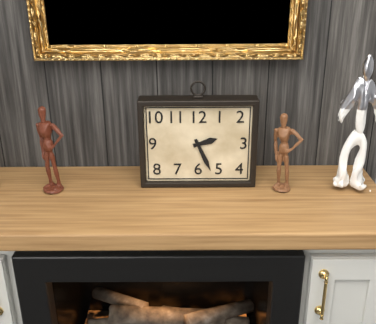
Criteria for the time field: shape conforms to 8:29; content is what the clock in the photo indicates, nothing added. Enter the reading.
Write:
2:26
